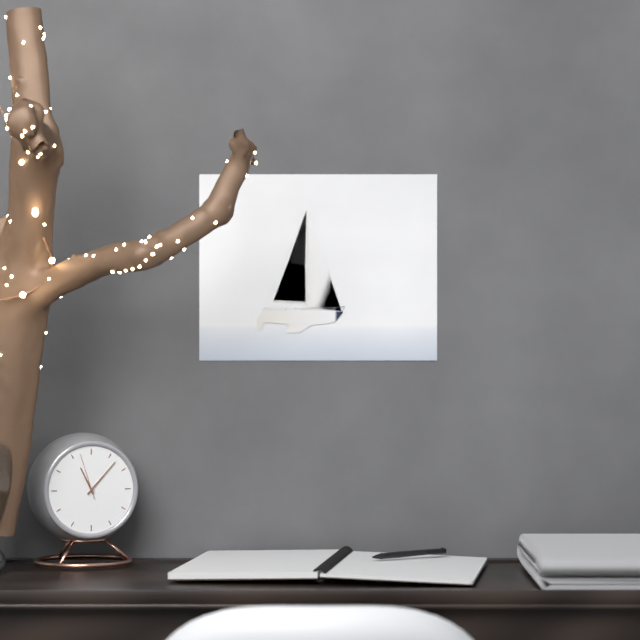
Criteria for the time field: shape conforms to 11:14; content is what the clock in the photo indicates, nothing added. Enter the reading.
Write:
11:07
